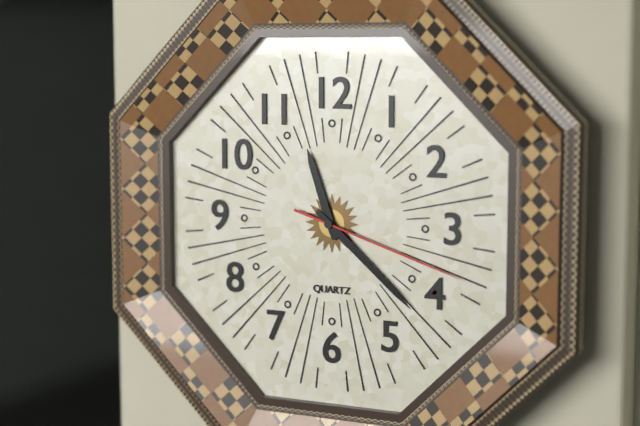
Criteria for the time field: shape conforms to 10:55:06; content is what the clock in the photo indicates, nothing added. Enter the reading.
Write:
11:22:18
